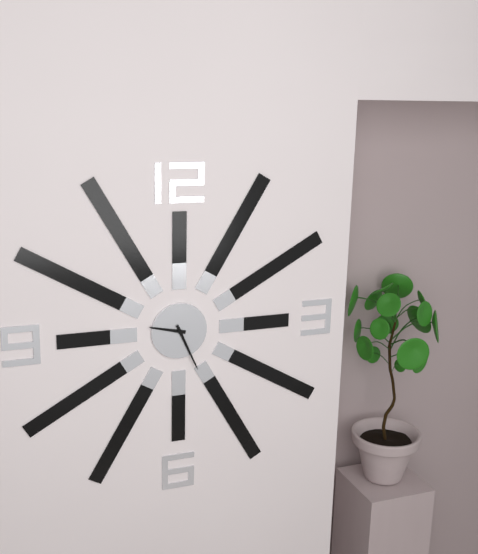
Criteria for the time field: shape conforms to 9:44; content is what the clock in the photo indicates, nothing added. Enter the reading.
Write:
9:26
